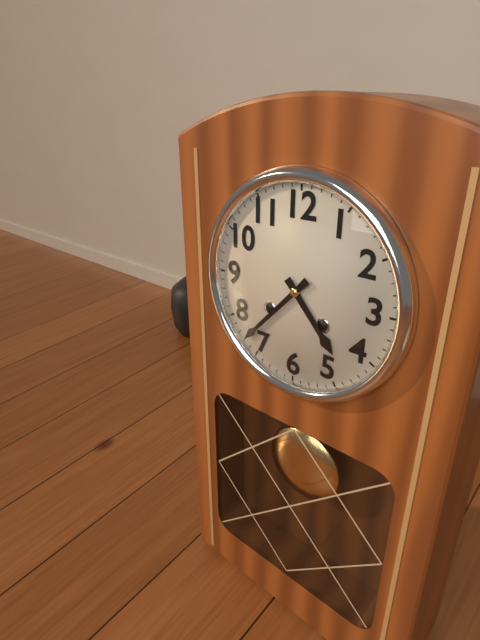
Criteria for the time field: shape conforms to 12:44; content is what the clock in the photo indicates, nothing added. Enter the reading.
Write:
4:37
